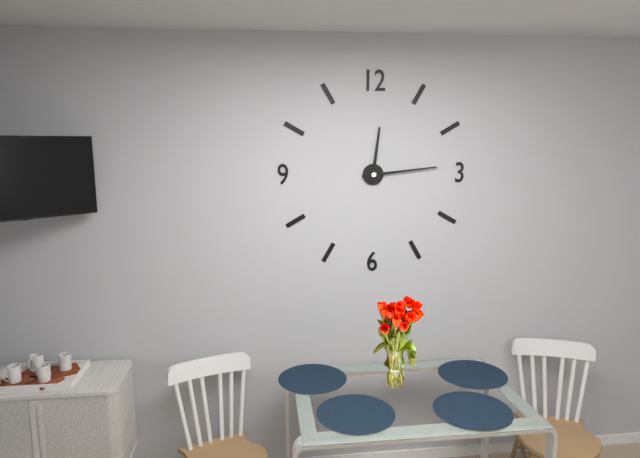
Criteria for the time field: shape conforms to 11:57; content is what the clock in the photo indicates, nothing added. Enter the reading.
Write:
12:14
